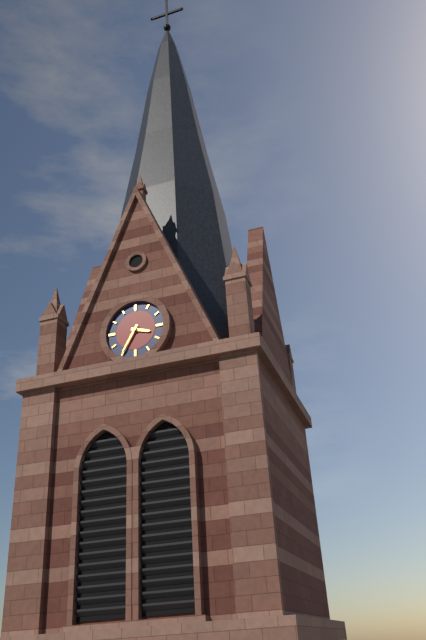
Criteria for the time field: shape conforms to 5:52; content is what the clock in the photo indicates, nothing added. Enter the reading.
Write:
3:35
